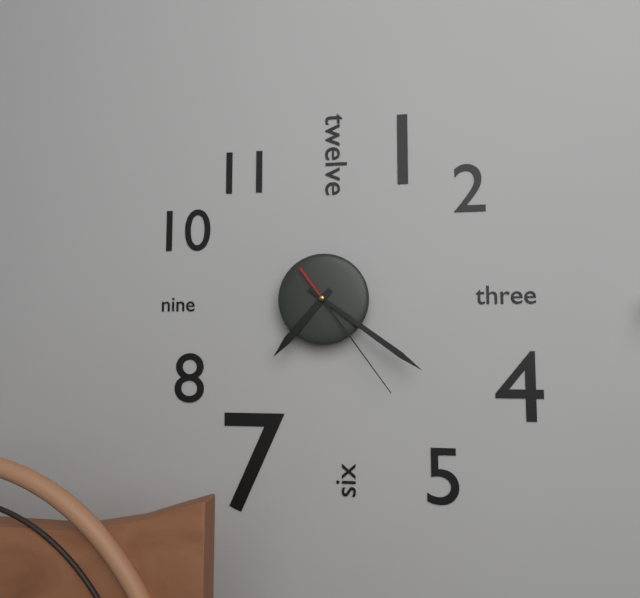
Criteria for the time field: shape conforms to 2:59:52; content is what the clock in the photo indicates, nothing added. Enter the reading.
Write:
7:21:24
